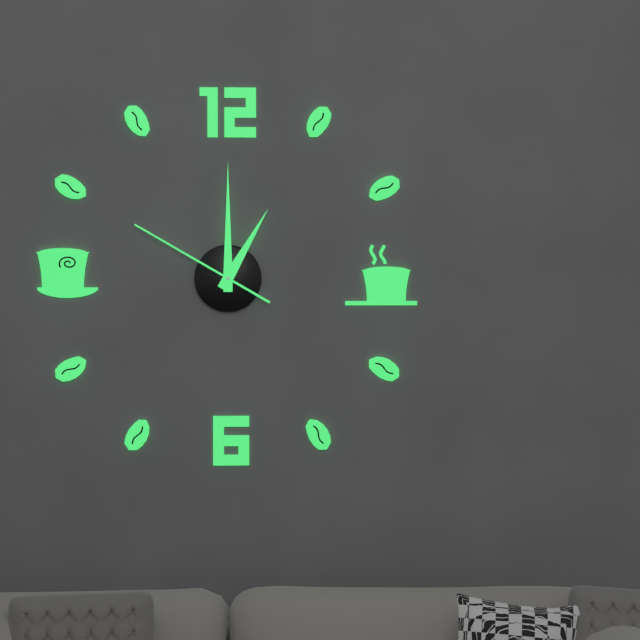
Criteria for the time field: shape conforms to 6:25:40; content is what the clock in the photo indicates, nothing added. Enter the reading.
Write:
1:00:50
